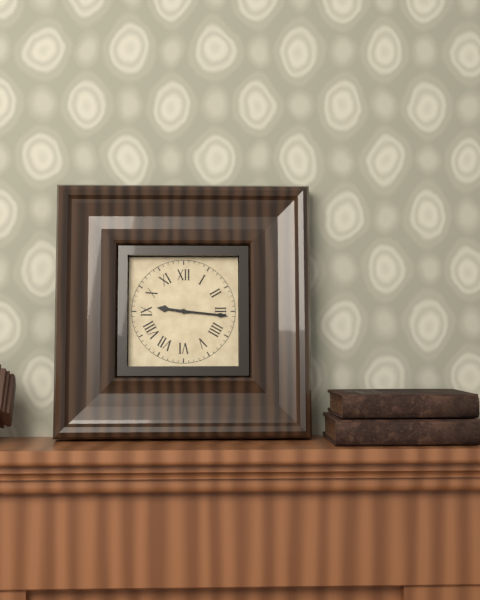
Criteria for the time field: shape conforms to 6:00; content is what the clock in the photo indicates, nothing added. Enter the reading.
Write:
9:16
